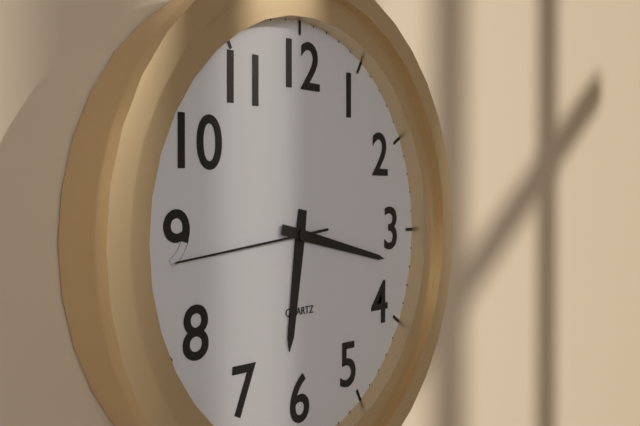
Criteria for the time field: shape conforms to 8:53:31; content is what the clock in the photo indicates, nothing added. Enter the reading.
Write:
6:17:44
